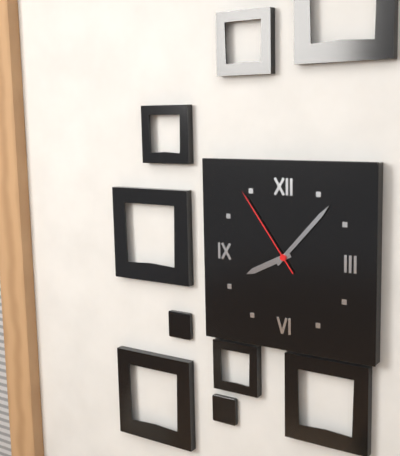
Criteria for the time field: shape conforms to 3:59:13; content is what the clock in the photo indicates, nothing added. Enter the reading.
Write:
8:07:54
